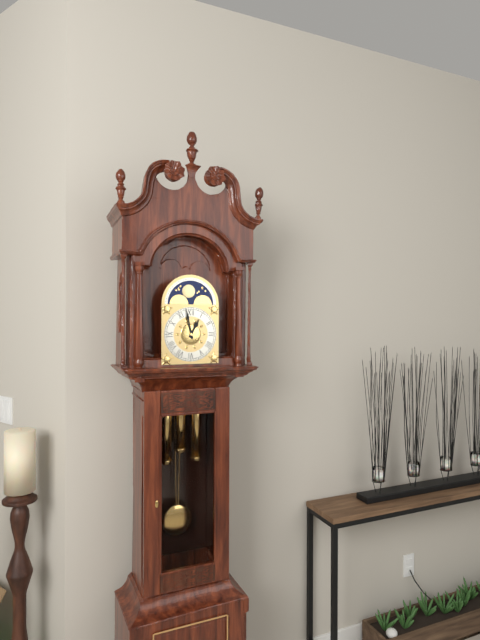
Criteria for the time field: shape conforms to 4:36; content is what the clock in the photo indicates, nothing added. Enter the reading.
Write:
12:58
